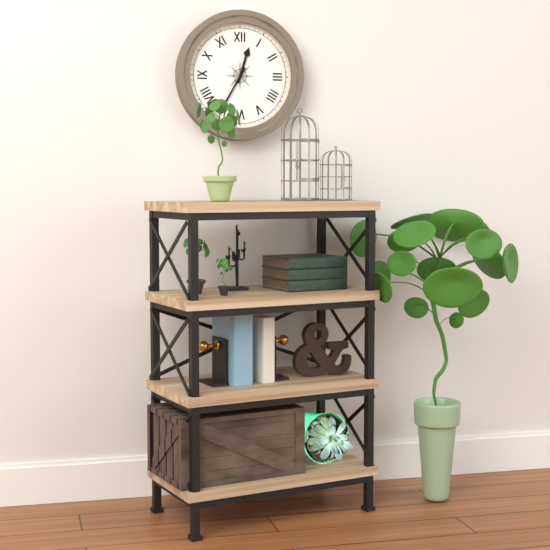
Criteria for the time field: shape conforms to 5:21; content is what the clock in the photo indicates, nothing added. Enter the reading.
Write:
12:35
